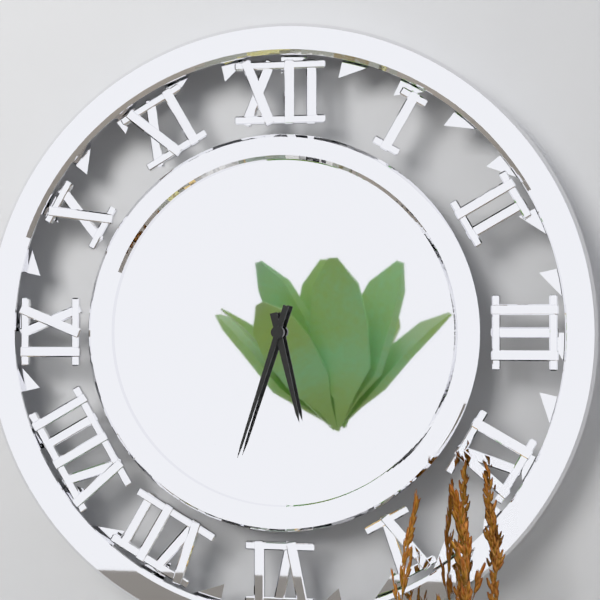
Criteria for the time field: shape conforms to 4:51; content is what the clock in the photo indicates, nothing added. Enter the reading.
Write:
5:33
